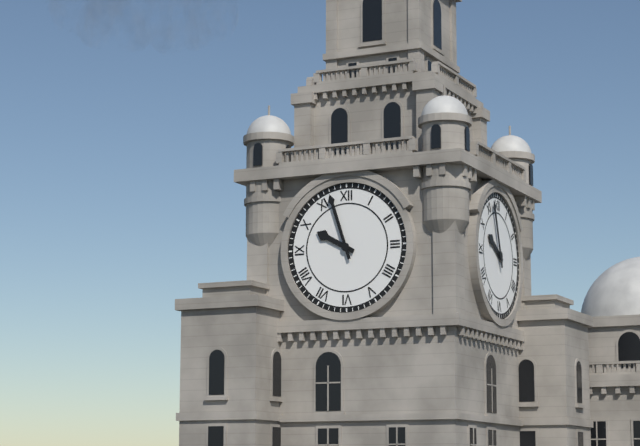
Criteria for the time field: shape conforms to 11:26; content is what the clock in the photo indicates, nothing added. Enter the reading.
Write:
9:57
